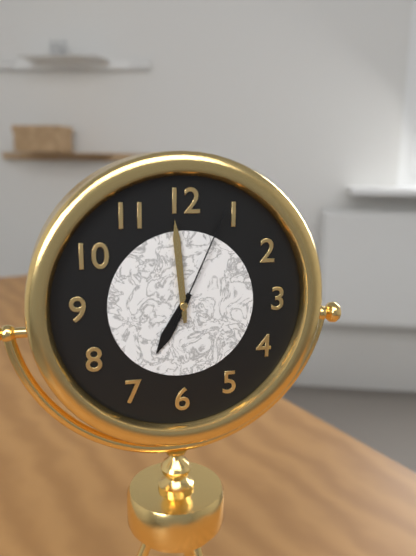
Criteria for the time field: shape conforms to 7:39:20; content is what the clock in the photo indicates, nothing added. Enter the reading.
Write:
6:59:04
